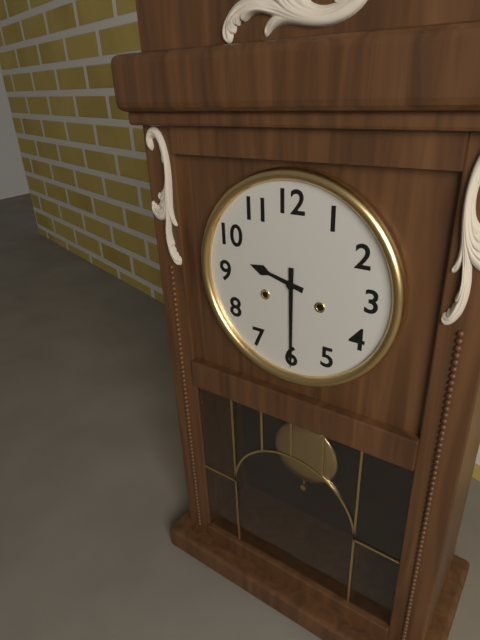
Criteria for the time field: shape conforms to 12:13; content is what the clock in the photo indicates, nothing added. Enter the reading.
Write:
9:30
